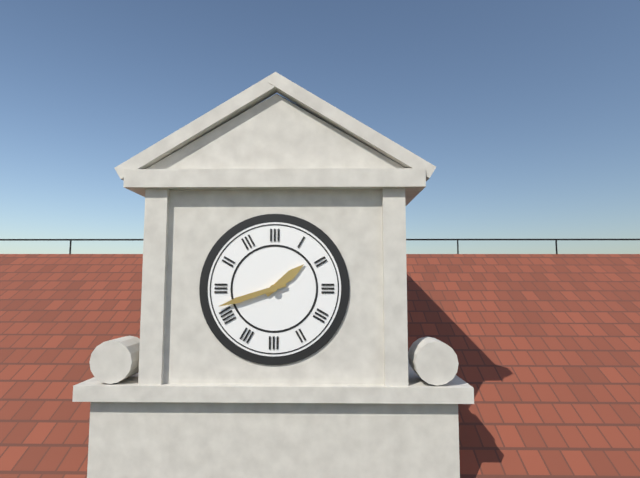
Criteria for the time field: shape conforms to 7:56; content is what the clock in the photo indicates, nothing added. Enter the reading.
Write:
1:42
